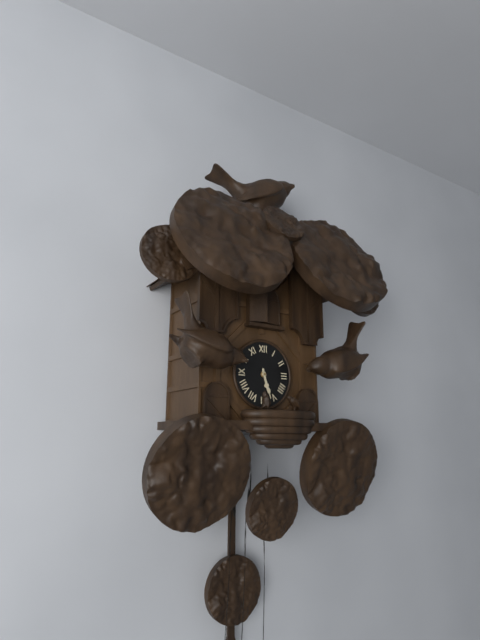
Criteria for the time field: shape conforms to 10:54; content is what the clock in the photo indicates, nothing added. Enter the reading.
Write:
5:27
